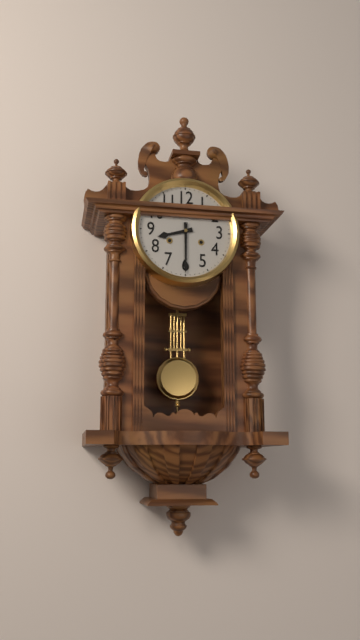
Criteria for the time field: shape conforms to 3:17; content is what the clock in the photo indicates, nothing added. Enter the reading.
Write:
8:30
